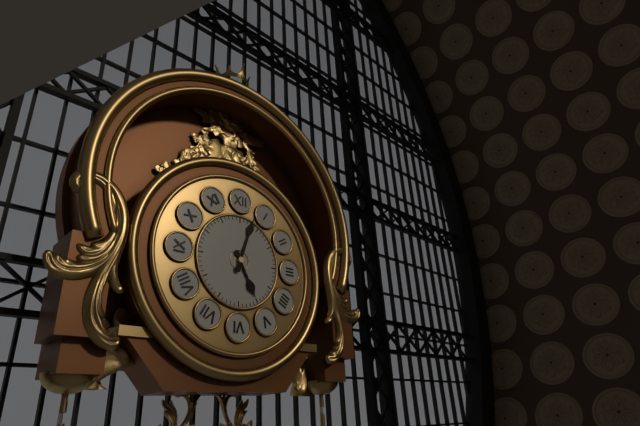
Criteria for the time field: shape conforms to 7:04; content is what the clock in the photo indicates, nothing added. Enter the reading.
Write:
5:03
